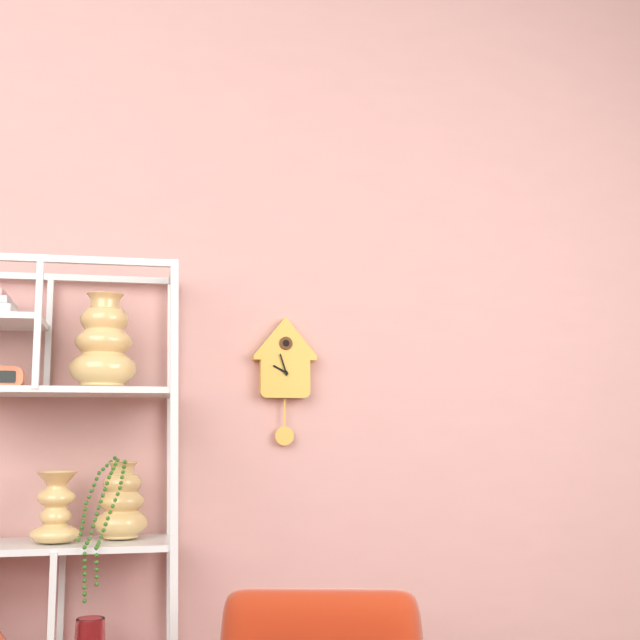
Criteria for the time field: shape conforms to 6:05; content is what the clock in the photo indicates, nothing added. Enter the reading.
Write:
9:57
